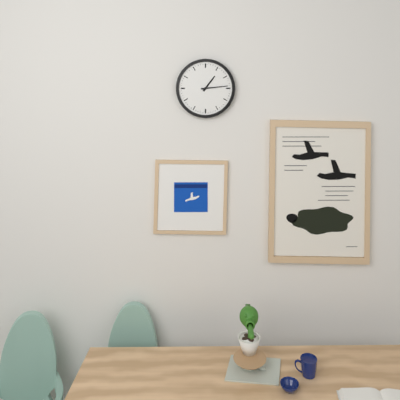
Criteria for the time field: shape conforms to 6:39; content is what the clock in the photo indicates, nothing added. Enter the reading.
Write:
1:14
